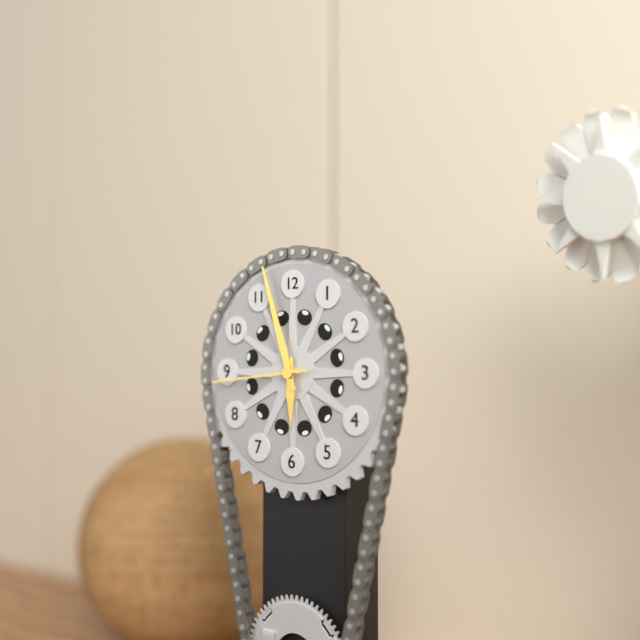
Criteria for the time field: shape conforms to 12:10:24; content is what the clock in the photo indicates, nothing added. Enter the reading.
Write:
5:57:44
